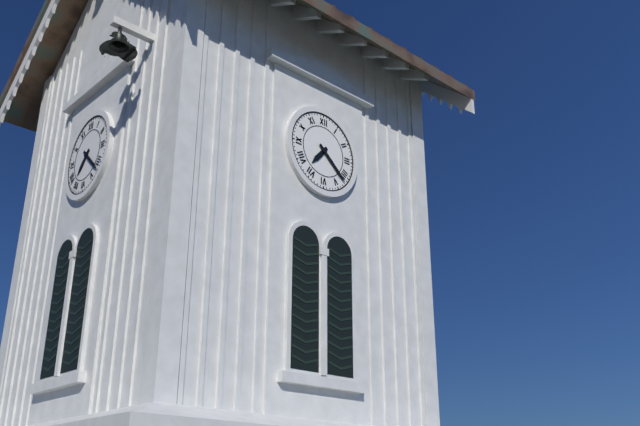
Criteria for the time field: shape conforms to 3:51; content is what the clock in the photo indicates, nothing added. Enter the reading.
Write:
7:22
